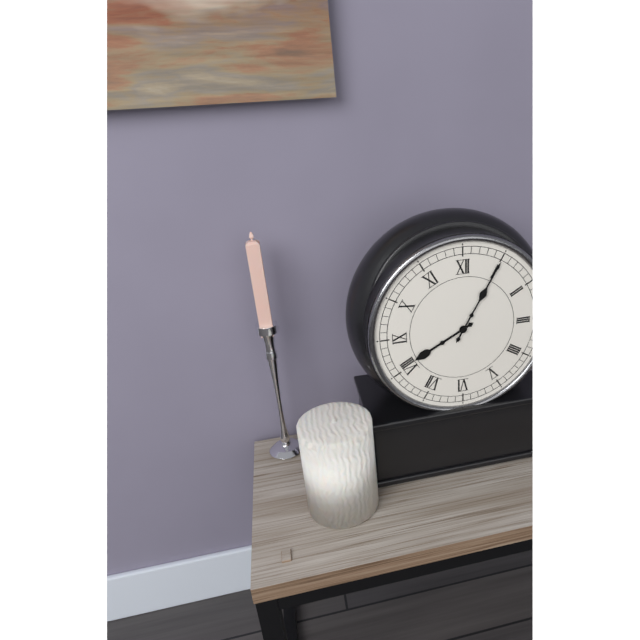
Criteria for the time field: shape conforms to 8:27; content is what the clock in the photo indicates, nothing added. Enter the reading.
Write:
8:05
